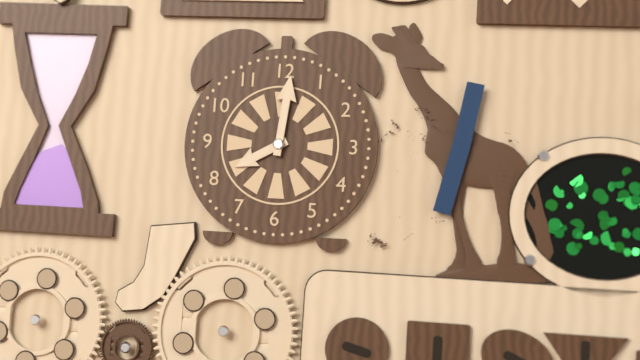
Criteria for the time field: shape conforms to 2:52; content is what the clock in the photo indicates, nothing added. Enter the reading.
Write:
8:01
